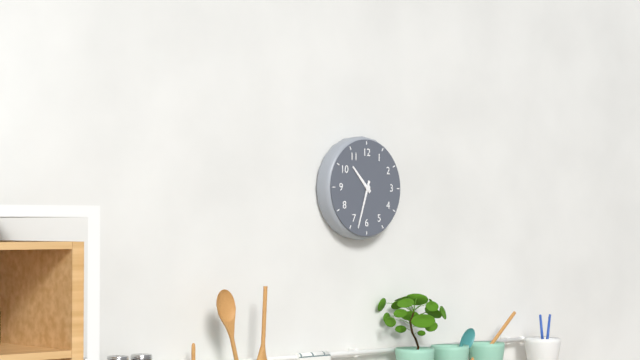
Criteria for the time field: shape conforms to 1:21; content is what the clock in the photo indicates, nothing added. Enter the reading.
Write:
10:33
